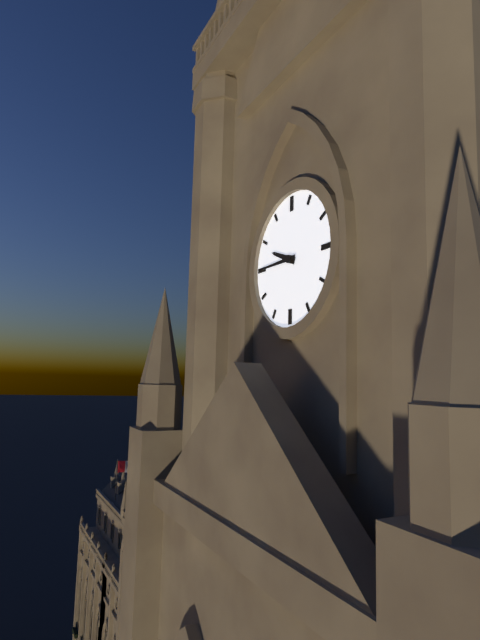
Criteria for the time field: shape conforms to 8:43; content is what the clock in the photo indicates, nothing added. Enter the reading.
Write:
9:45
